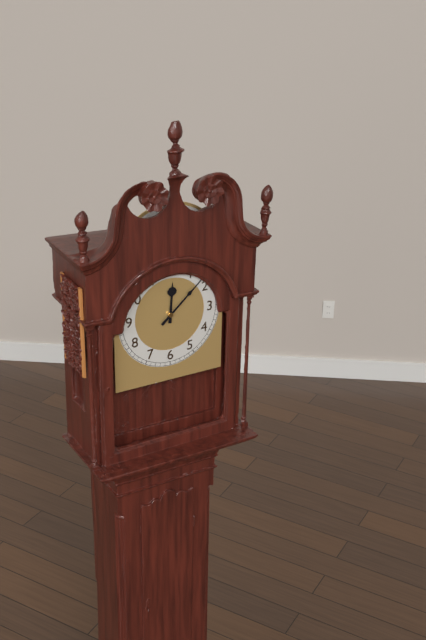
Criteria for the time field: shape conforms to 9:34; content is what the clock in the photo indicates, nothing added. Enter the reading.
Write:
12:08
